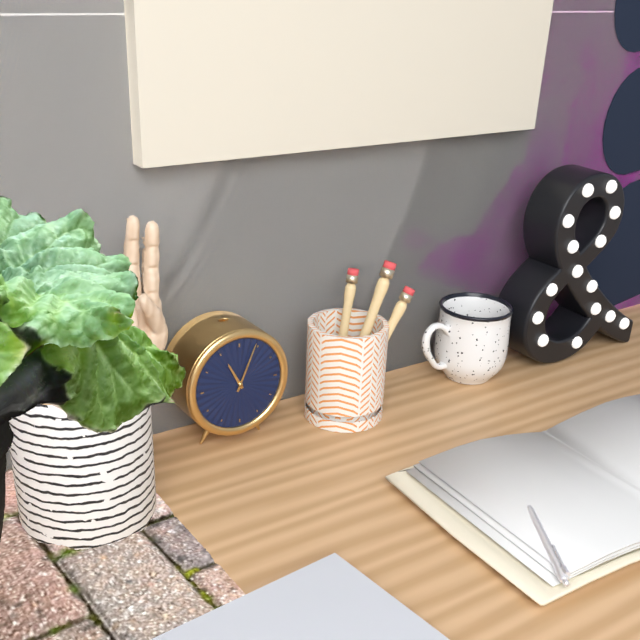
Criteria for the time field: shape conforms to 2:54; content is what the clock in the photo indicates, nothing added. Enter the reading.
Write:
11:04
